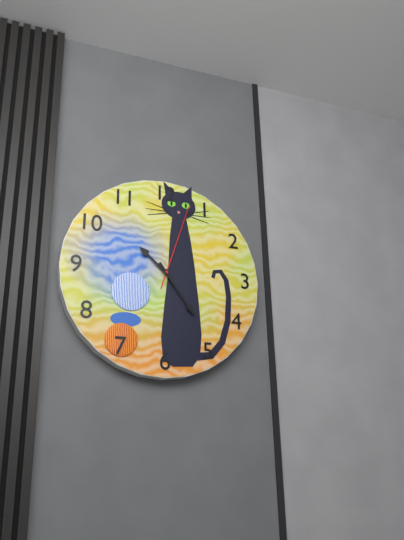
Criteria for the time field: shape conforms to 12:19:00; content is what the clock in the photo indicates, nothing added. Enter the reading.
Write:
10:24:03
